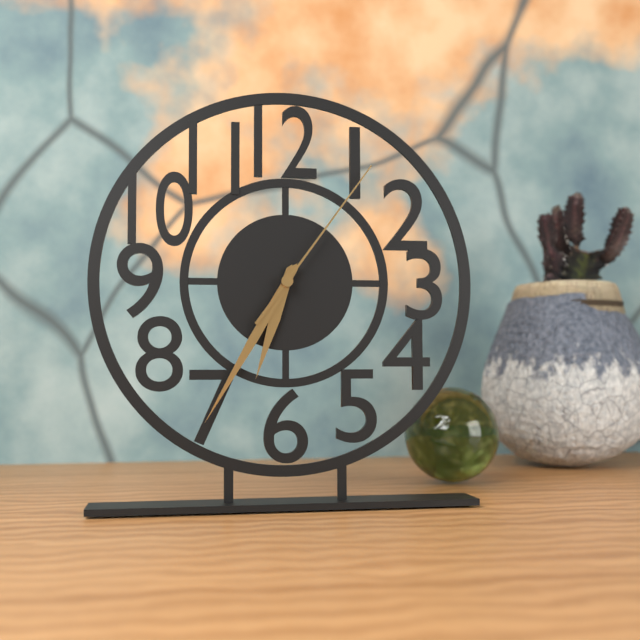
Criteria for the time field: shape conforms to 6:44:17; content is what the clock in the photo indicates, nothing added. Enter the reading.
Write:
6:35:06
